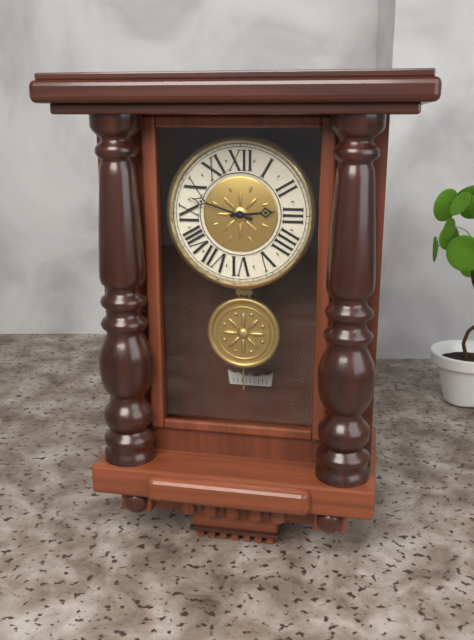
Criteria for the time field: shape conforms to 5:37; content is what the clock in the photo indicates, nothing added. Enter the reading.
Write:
2:48
